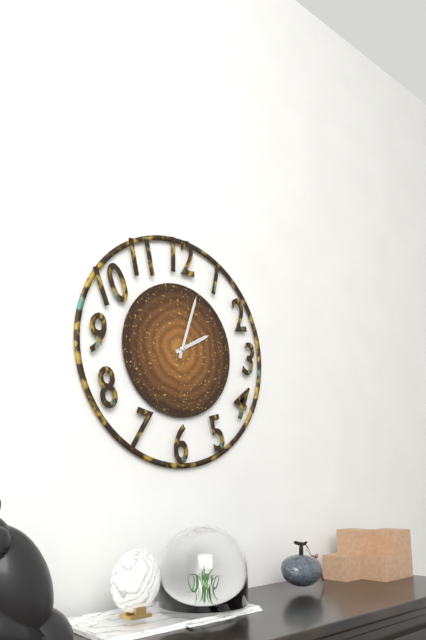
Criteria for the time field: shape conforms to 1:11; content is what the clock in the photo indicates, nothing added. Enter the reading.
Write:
2:03
